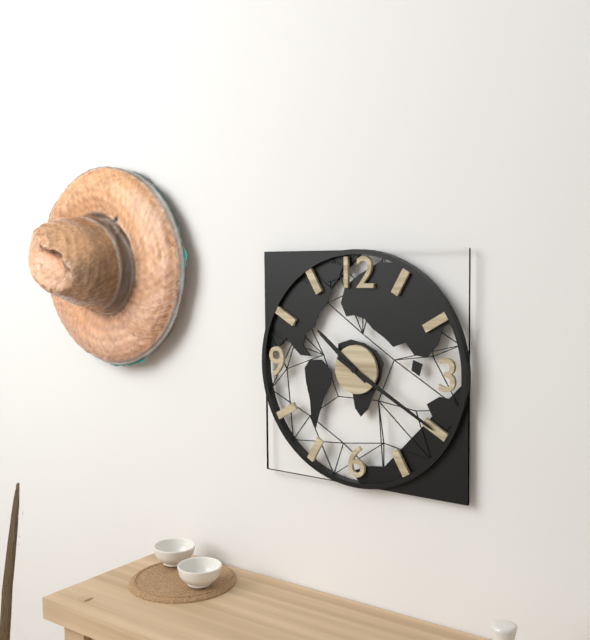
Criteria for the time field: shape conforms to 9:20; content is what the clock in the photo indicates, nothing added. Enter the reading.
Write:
10:20
